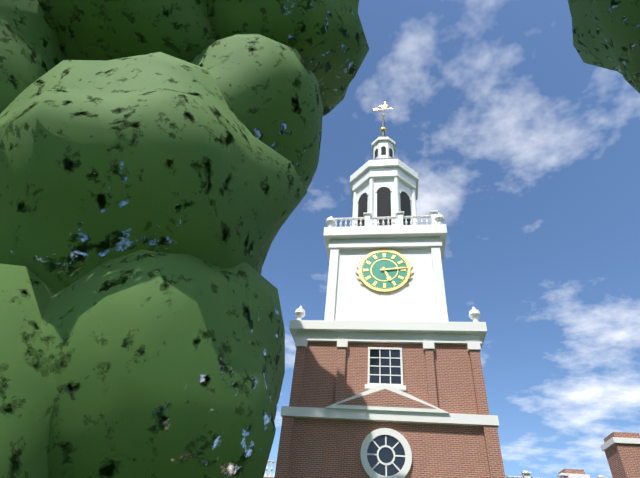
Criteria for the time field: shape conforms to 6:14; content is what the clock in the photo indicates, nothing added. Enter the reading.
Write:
5:14
